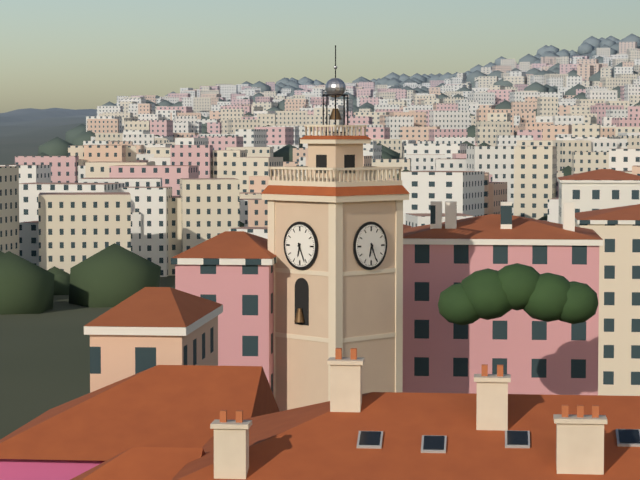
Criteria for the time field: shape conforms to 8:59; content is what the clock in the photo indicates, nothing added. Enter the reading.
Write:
6:26
